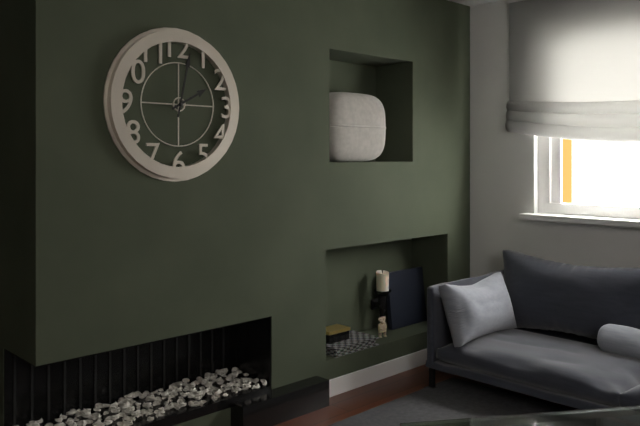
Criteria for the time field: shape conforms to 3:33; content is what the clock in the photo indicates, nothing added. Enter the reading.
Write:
2:02
